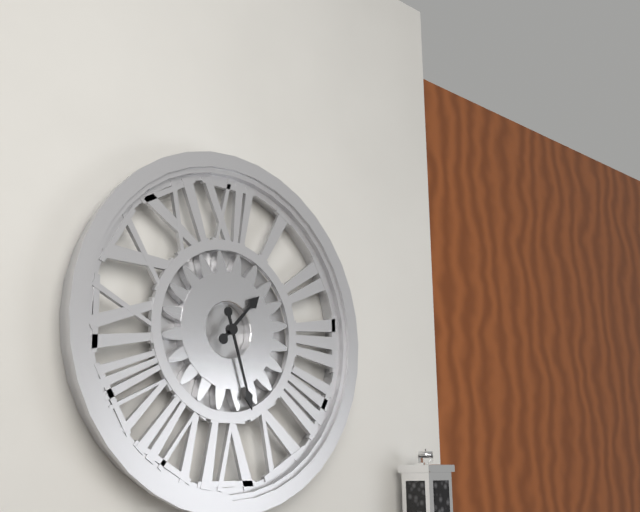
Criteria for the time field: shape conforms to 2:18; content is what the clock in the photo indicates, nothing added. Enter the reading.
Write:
1:27
